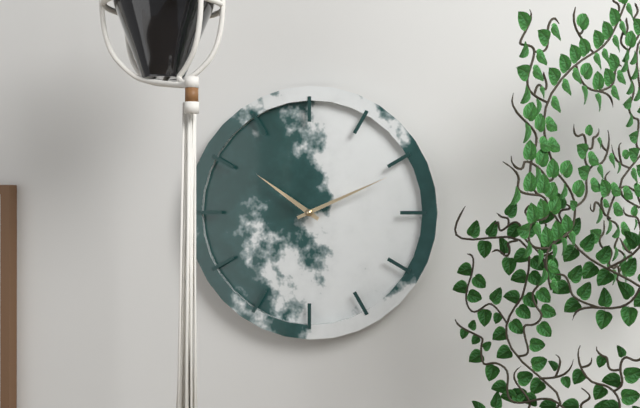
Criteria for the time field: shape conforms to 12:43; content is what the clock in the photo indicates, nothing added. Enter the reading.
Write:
10:11
